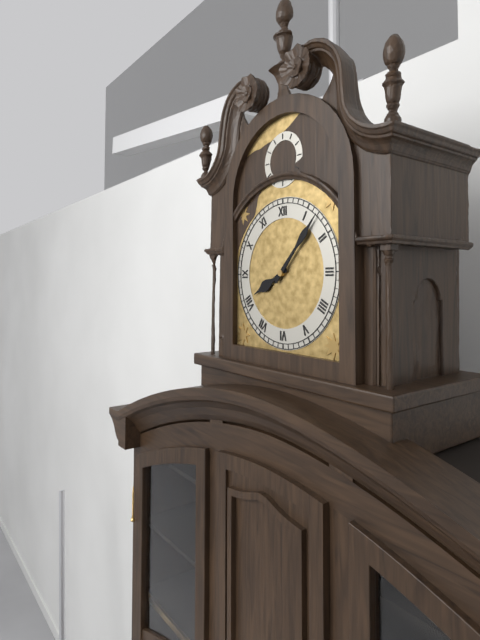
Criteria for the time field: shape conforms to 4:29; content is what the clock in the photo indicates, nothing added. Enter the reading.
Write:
8:07
